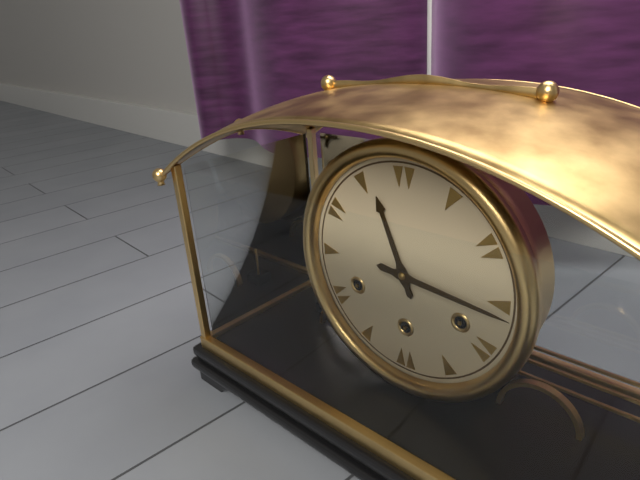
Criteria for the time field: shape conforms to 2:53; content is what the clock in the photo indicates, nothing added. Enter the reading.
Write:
11:16
